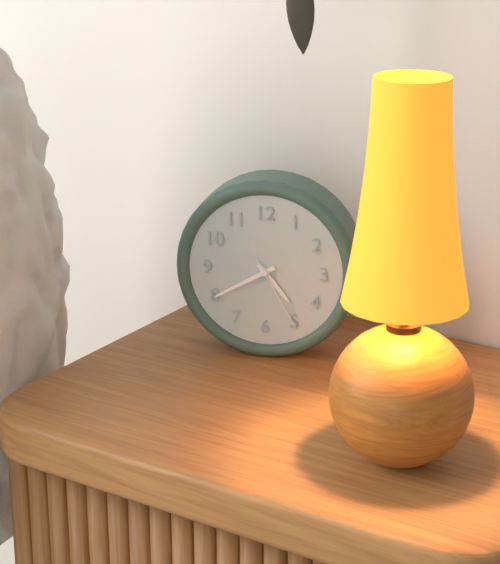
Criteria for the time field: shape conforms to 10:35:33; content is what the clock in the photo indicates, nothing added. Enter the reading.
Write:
4:40:25
